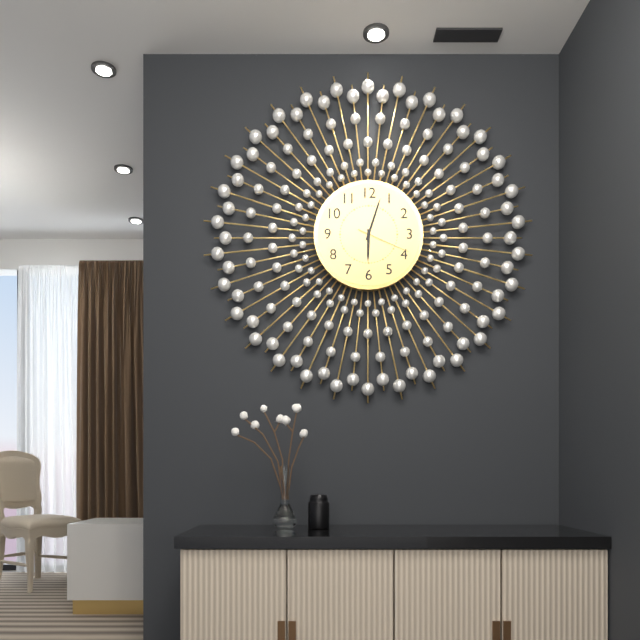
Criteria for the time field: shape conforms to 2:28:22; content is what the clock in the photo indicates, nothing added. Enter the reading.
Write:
6:03:19
